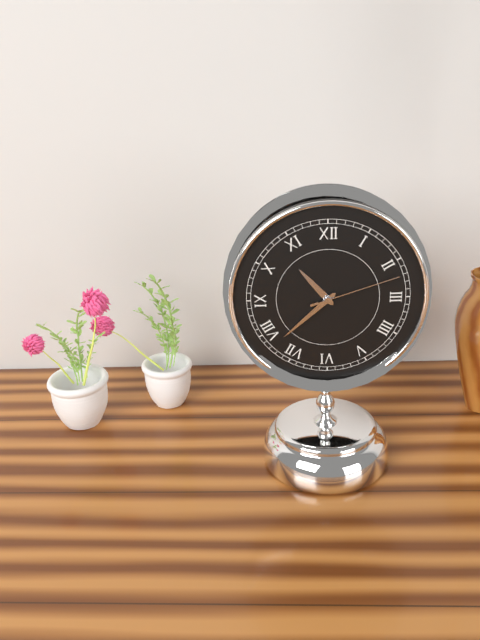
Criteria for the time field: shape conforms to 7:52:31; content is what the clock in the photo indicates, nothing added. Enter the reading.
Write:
10:38:12
